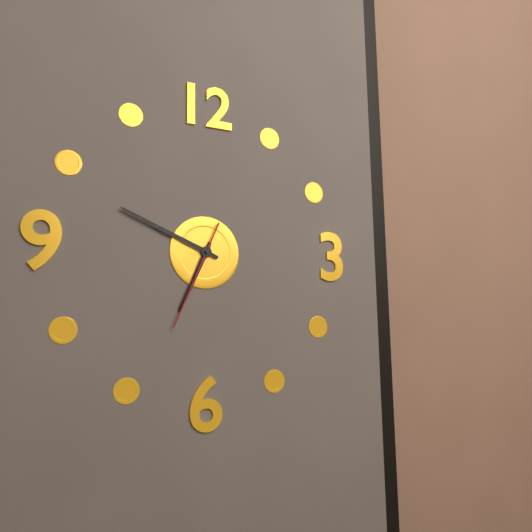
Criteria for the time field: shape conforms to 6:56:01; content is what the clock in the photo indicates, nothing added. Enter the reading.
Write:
6:49:34
